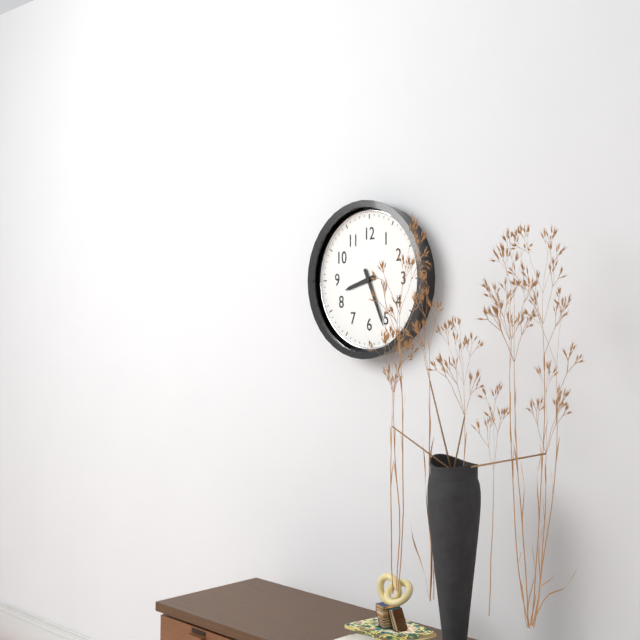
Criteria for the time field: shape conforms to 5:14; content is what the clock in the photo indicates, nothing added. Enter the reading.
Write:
8:26
